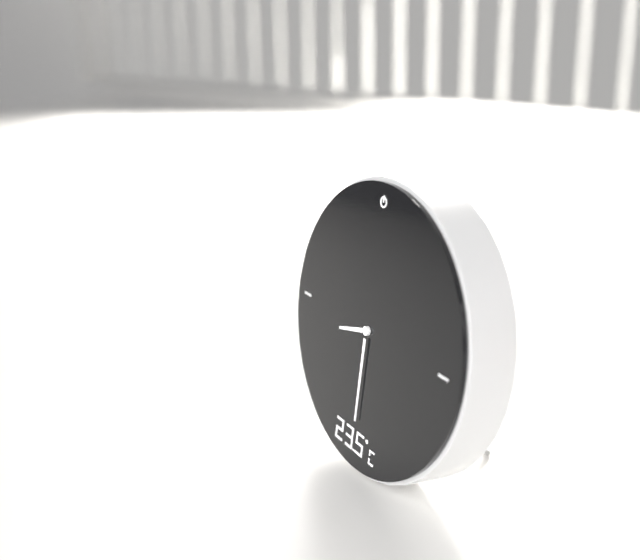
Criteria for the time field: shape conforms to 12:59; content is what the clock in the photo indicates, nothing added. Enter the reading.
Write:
8:30
